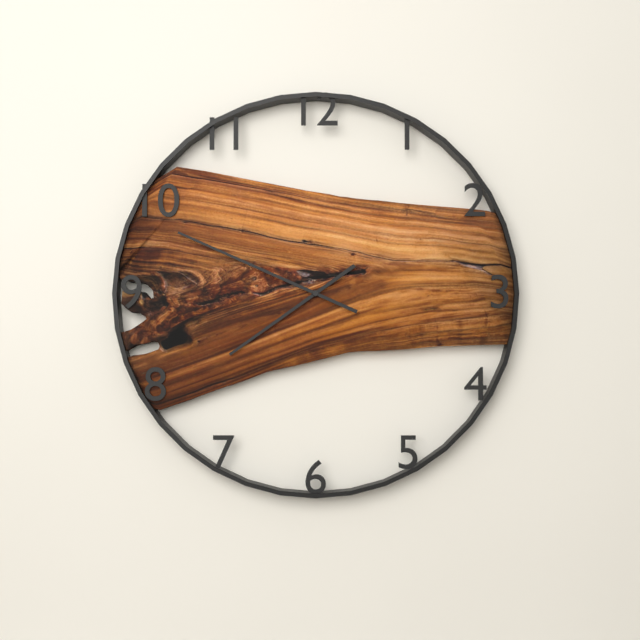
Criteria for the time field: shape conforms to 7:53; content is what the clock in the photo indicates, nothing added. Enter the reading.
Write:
7:49
